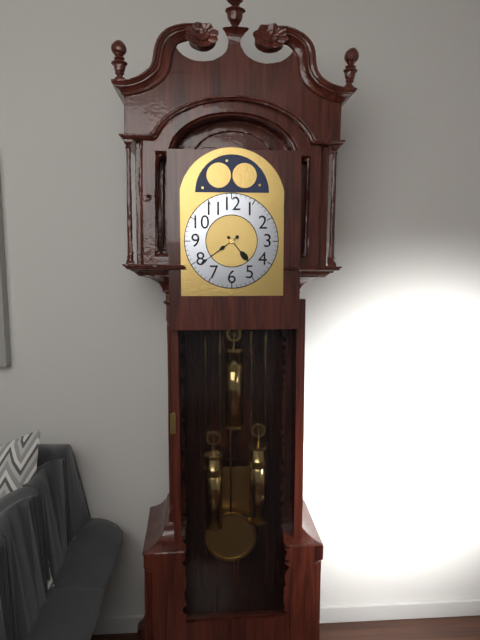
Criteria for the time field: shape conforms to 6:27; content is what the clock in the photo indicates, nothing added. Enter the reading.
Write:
4:39
